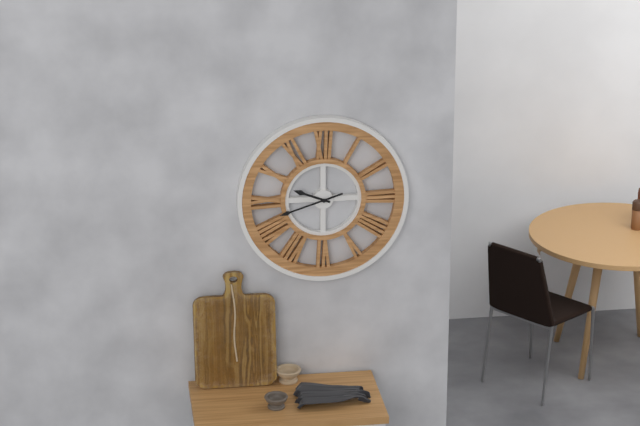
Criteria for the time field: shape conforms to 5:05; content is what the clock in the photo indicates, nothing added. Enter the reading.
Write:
9:42
